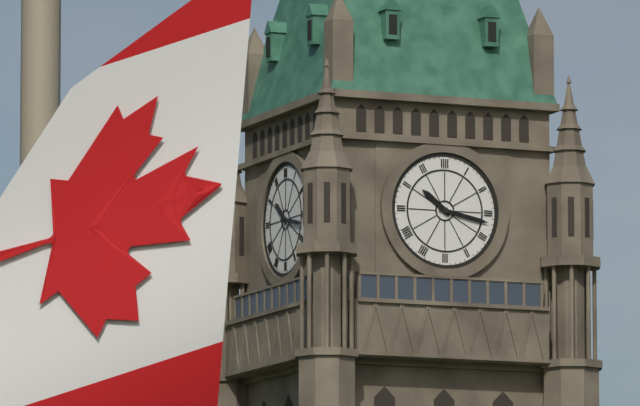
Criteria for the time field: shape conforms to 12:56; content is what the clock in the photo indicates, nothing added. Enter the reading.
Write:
10:17
